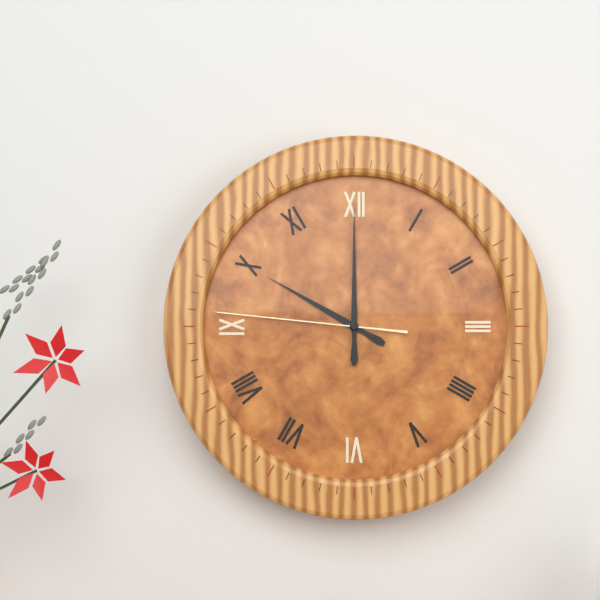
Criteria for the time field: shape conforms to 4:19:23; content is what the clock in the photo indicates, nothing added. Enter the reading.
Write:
10:00:46
